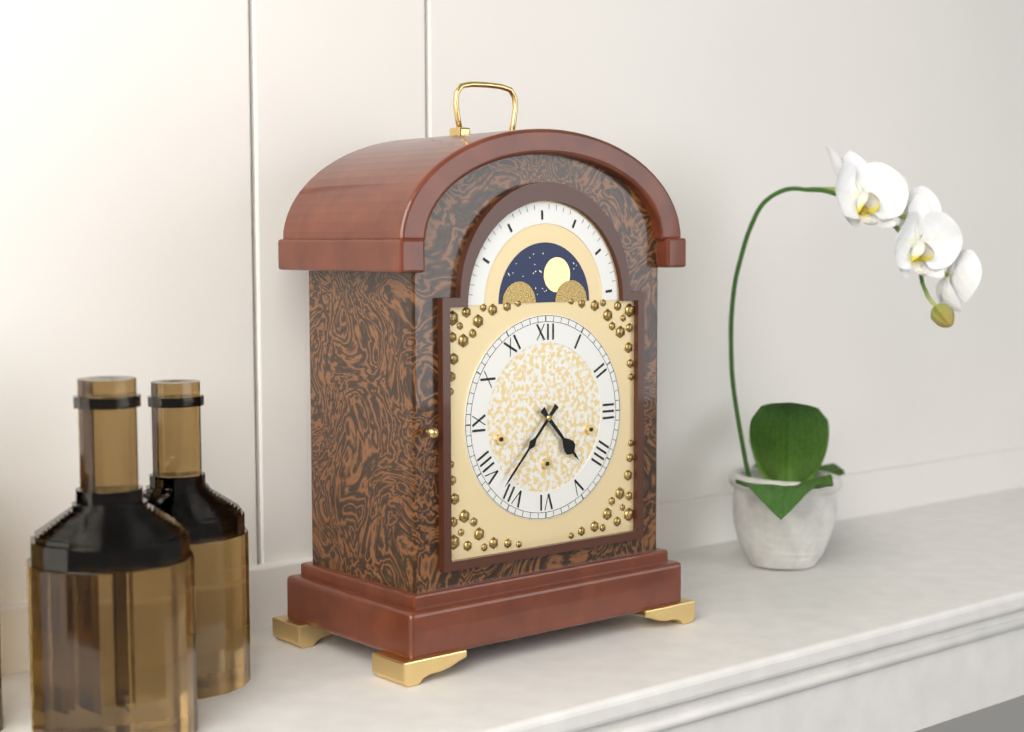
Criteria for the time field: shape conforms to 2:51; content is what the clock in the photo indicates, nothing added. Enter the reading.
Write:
4:37
